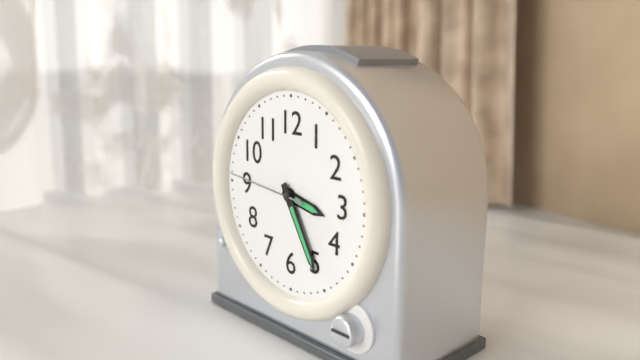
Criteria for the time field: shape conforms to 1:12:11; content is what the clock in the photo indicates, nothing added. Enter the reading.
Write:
3:25:46
